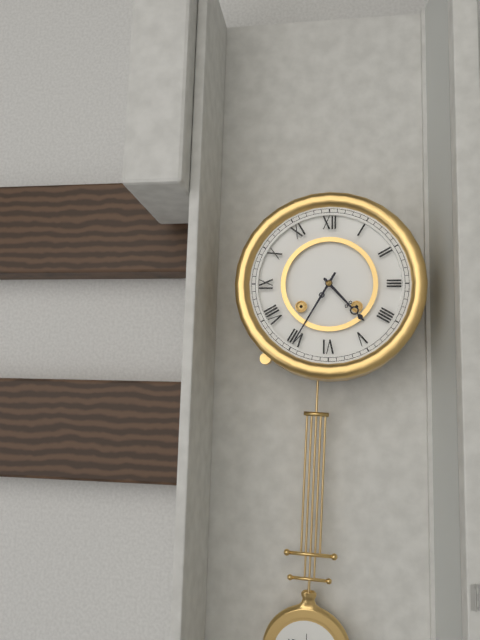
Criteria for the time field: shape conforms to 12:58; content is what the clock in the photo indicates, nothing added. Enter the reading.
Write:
4:35
